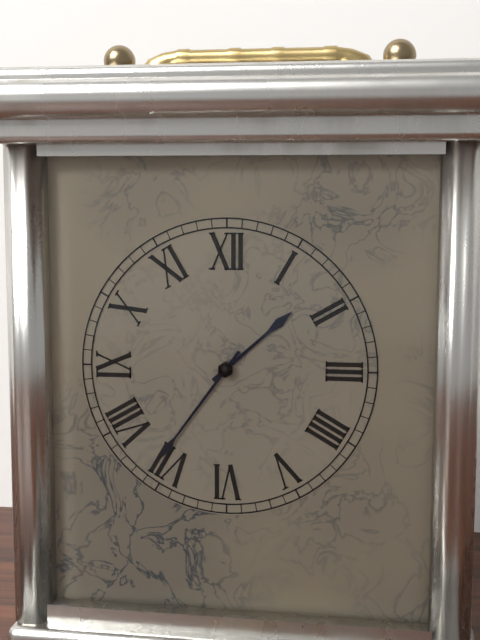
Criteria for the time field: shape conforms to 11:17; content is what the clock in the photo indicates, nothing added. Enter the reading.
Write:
1:36
